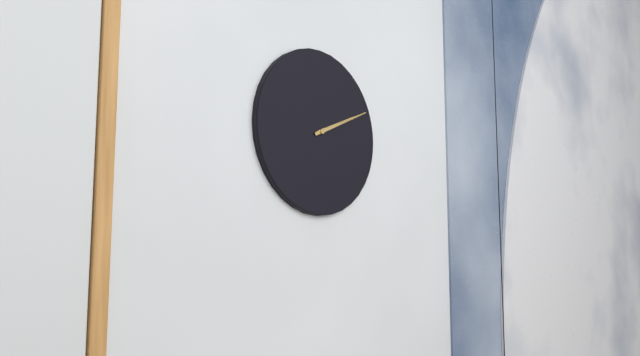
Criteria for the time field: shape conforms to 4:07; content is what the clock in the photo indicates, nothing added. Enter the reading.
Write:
2:11
